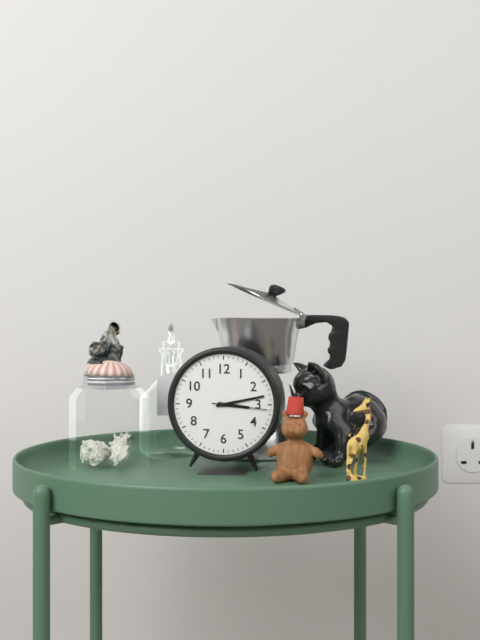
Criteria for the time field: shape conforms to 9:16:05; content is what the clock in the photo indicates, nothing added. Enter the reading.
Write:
3:13:16
